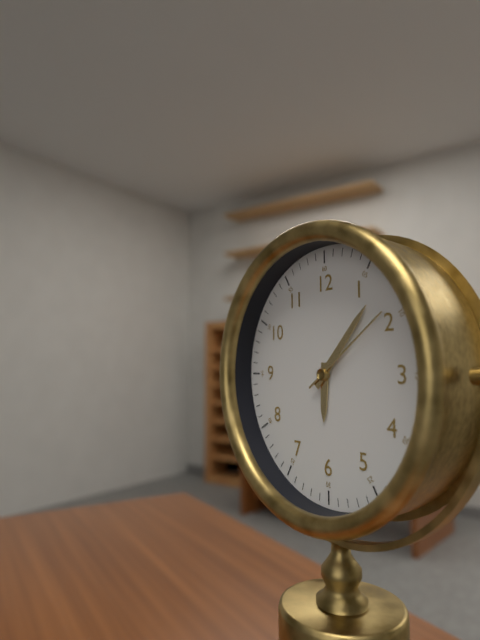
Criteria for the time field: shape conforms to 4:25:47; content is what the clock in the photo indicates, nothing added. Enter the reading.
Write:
6:07:09
